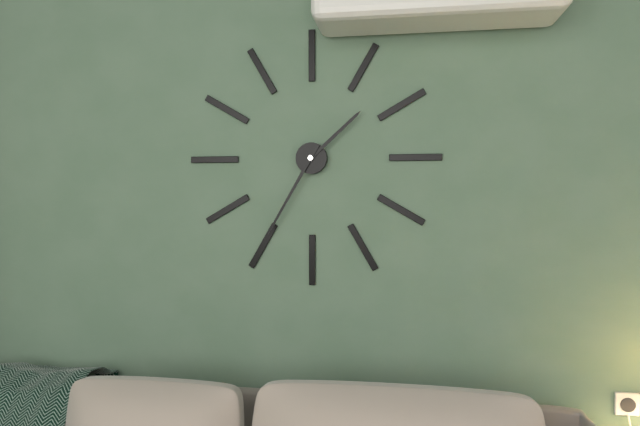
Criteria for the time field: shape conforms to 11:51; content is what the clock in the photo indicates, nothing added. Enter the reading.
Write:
1:35
